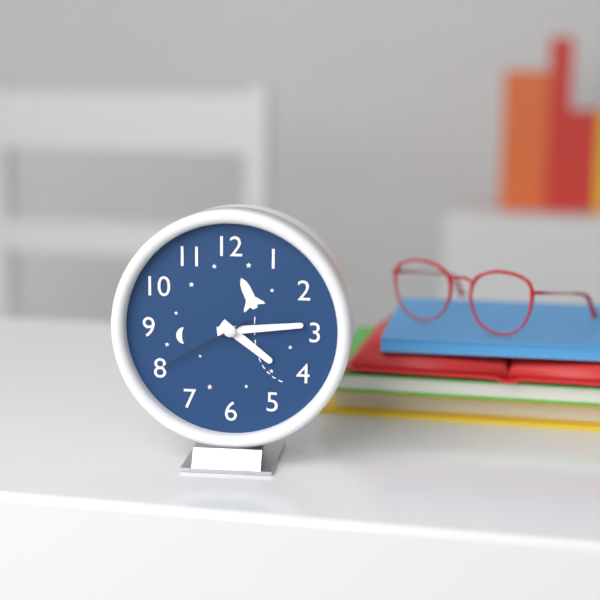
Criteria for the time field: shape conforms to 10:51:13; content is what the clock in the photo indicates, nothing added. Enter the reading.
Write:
4:14:40
